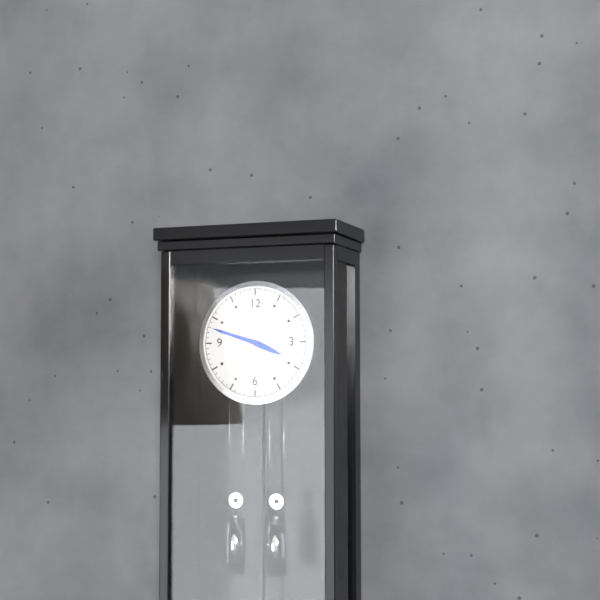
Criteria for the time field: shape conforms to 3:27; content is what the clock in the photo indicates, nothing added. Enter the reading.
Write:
3:48
